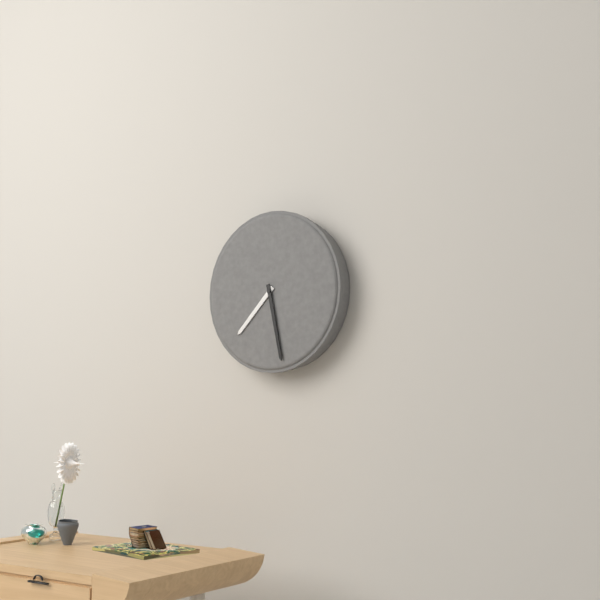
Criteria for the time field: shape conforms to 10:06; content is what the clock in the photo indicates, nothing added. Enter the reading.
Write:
7:28
